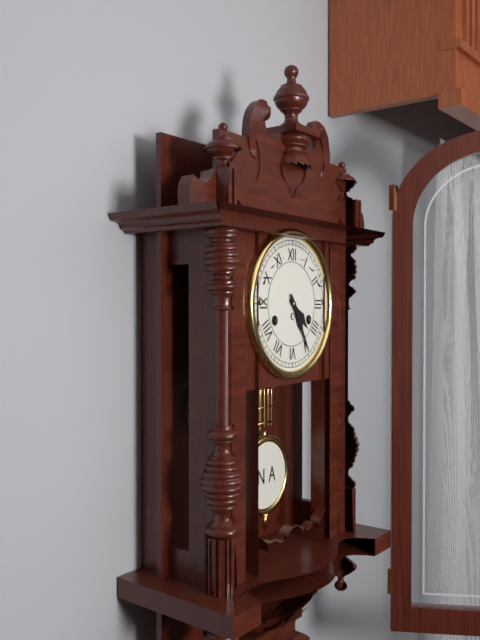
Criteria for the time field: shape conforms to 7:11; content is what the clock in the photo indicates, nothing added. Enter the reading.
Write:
4:25
